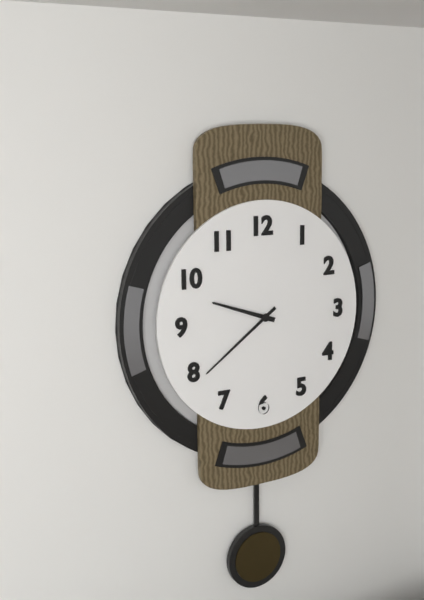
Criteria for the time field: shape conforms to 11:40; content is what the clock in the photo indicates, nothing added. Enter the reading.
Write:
9:39
